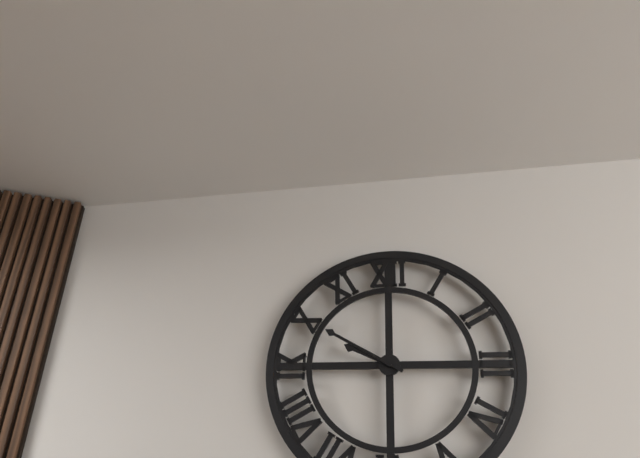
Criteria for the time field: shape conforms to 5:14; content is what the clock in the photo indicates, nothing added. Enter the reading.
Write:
9:50
